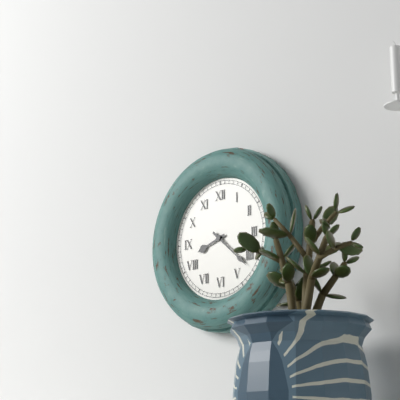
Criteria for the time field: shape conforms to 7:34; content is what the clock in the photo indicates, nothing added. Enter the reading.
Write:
8:22
